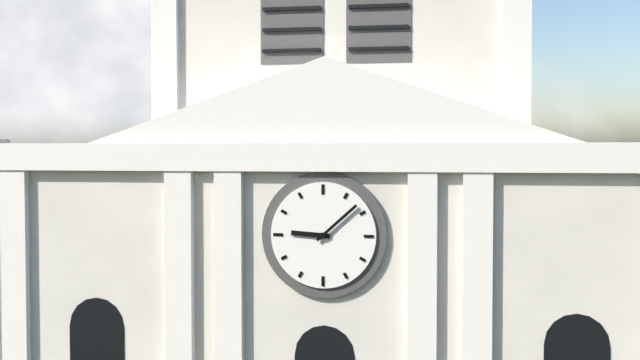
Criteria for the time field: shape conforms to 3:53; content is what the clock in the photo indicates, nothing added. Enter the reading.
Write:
9:08
